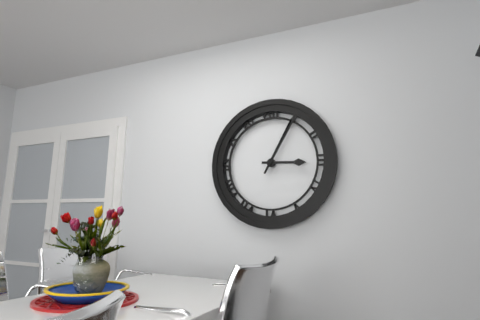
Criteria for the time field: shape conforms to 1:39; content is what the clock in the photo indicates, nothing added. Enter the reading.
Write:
3:05
